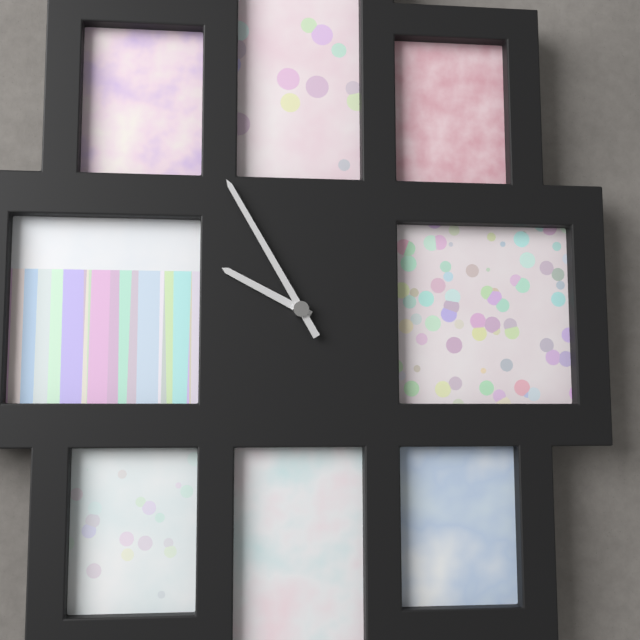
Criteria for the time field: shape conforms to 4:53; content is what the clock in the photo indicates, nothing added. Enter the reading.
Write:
9:55
